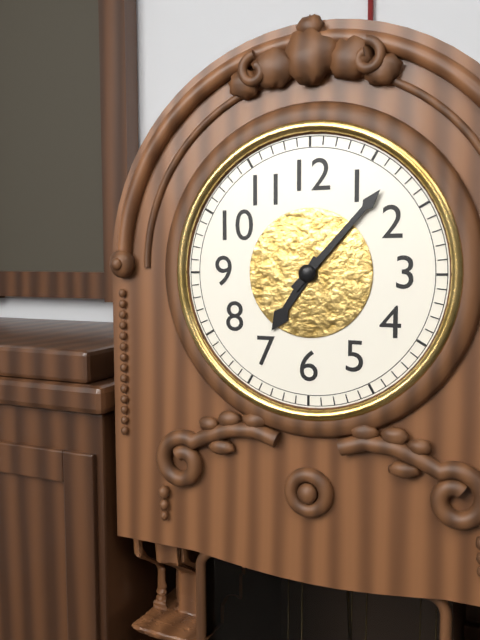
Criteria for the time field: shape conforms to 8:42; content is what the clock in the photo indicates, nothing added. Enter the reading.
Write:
7:07
